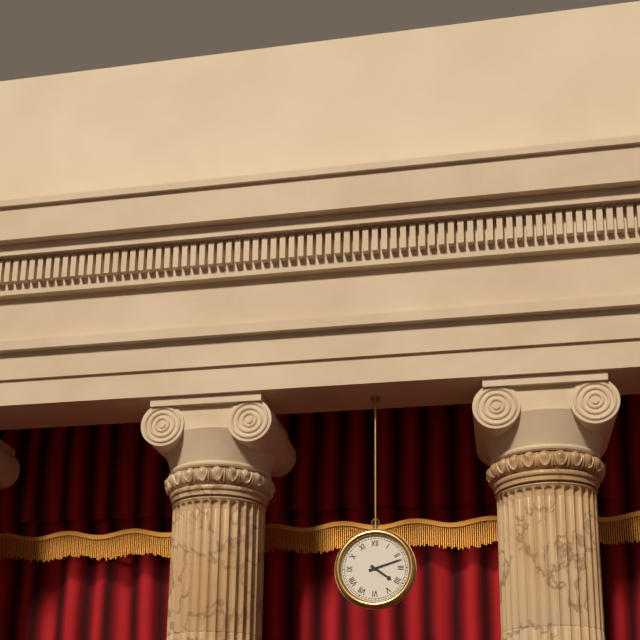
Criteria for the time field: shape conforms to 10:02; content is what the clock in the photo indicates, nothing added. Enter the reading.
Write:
4:12
